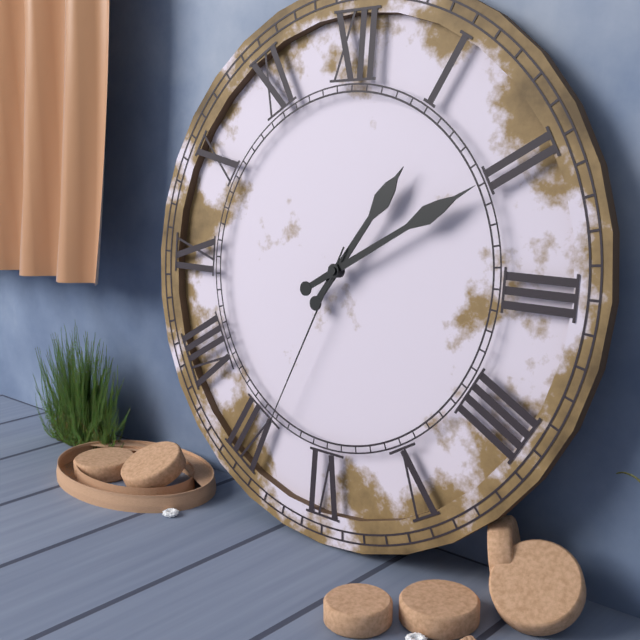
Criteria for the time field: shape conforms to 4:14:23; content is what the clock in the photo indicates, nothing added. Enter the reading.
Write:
1:10:34
